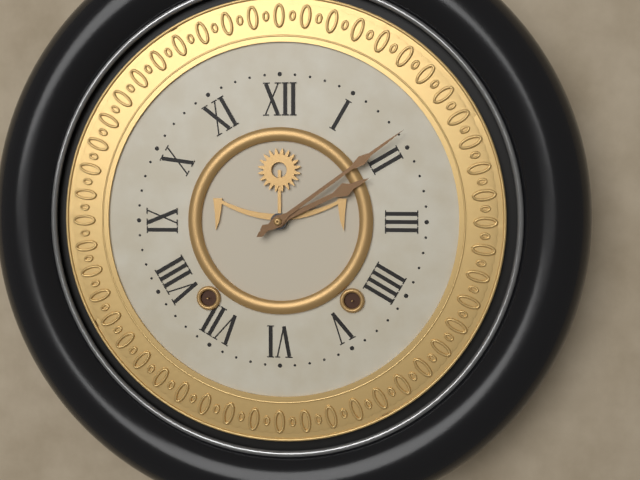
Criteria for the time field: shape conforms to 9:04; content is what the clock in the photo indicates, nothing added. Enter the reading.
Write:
2:09
